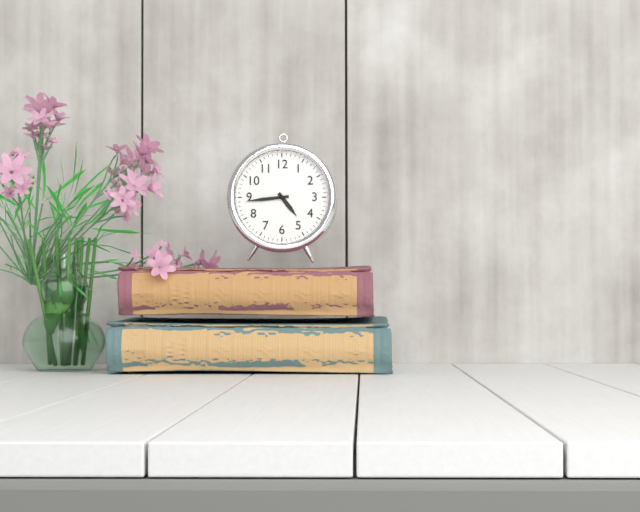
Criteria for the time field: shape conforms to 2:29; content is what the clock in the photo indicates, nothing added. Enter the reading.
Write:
4:44
